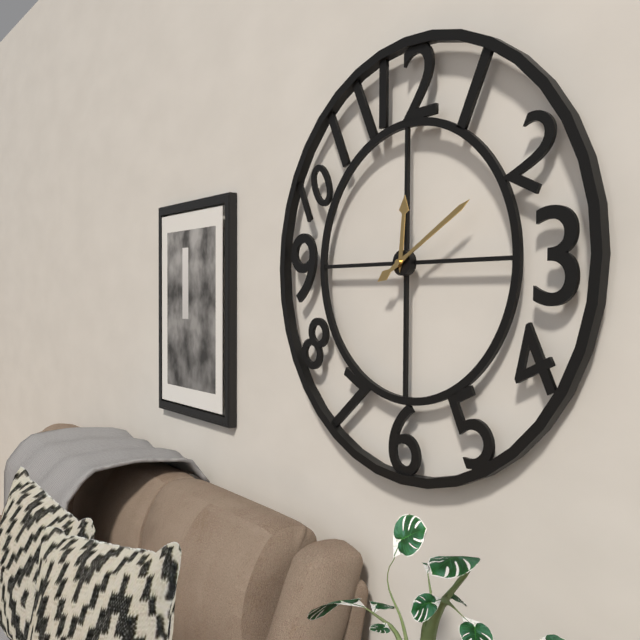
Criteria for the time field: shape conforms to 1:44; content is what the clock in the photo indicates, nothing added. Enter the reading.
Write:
12:10
